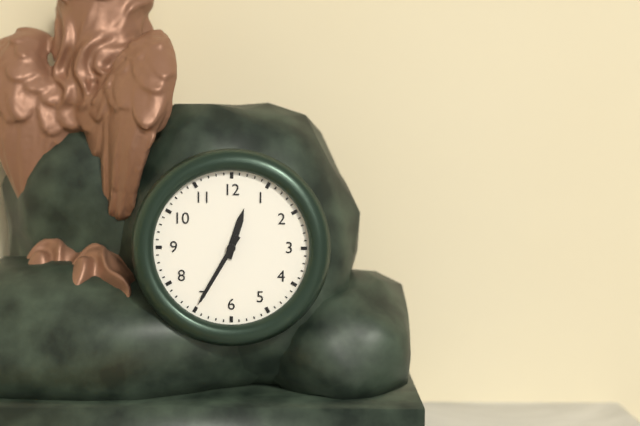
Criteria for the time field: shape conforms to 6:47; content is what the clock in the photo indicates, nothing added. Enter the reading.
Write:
12:35
